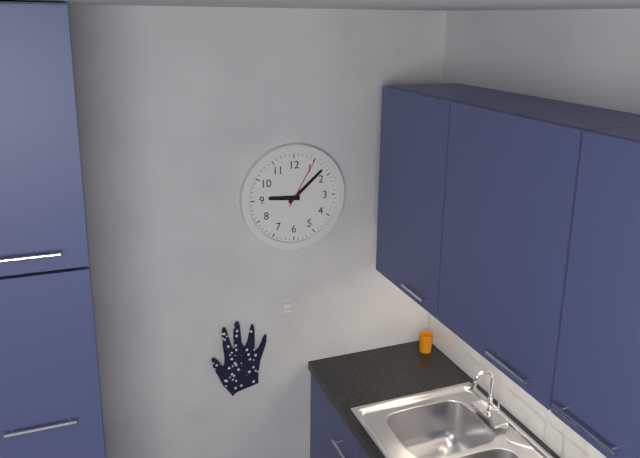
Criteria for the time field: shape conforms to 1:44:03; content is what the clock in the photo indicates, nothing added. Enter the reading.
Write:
9:08:05
